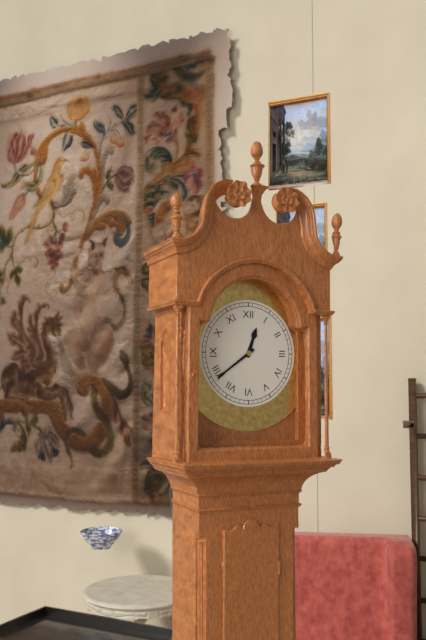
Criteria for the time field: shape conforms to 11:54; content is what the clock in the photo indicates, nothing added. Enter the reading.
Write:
12:39
